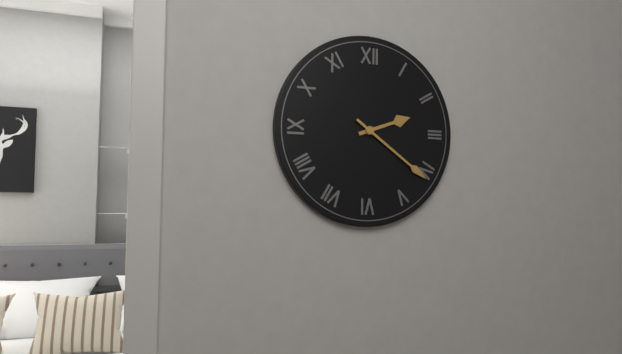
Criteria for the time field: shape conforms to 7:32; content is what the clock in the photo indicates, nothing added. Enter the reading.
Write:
2:21
